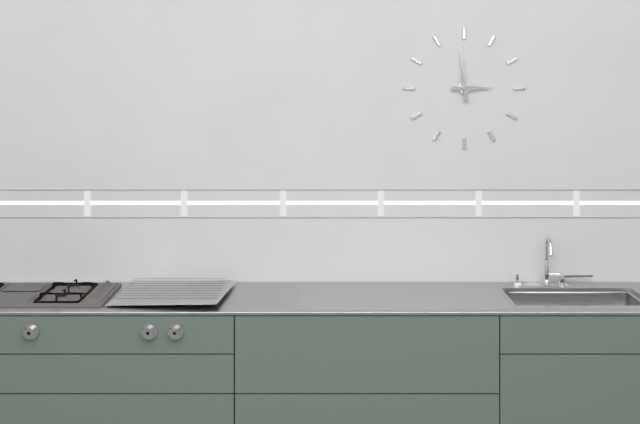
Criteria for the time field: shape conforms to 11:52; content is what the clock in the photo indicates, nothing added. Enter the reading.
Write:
2:59
